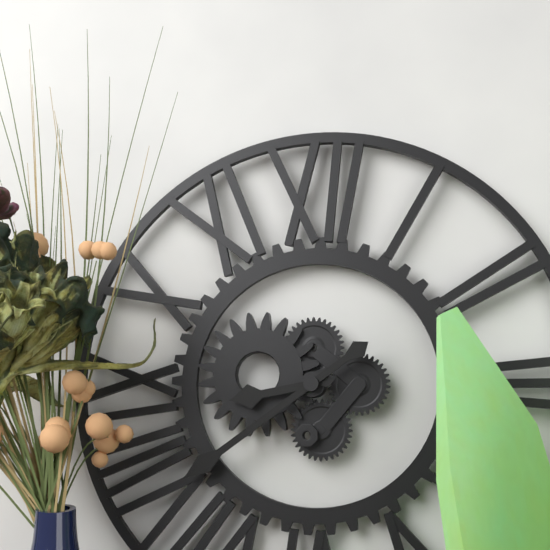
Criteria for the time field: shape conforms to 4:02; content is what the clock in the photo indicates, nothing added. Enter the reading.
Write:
8:39
